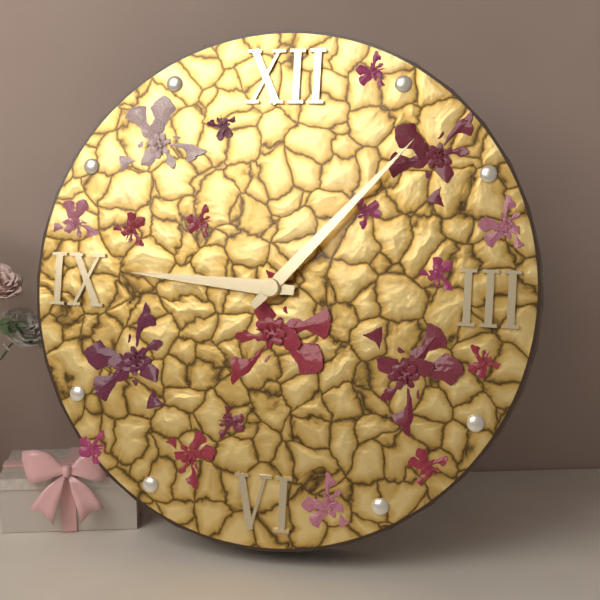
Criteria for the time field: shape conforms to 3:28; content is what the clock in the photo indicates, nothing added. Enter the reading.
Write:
9:07
